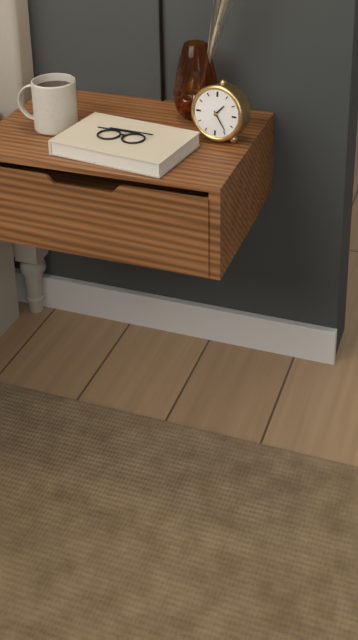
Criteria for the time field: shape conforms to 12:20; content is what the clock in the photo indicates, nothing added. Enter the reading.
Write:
1:24
